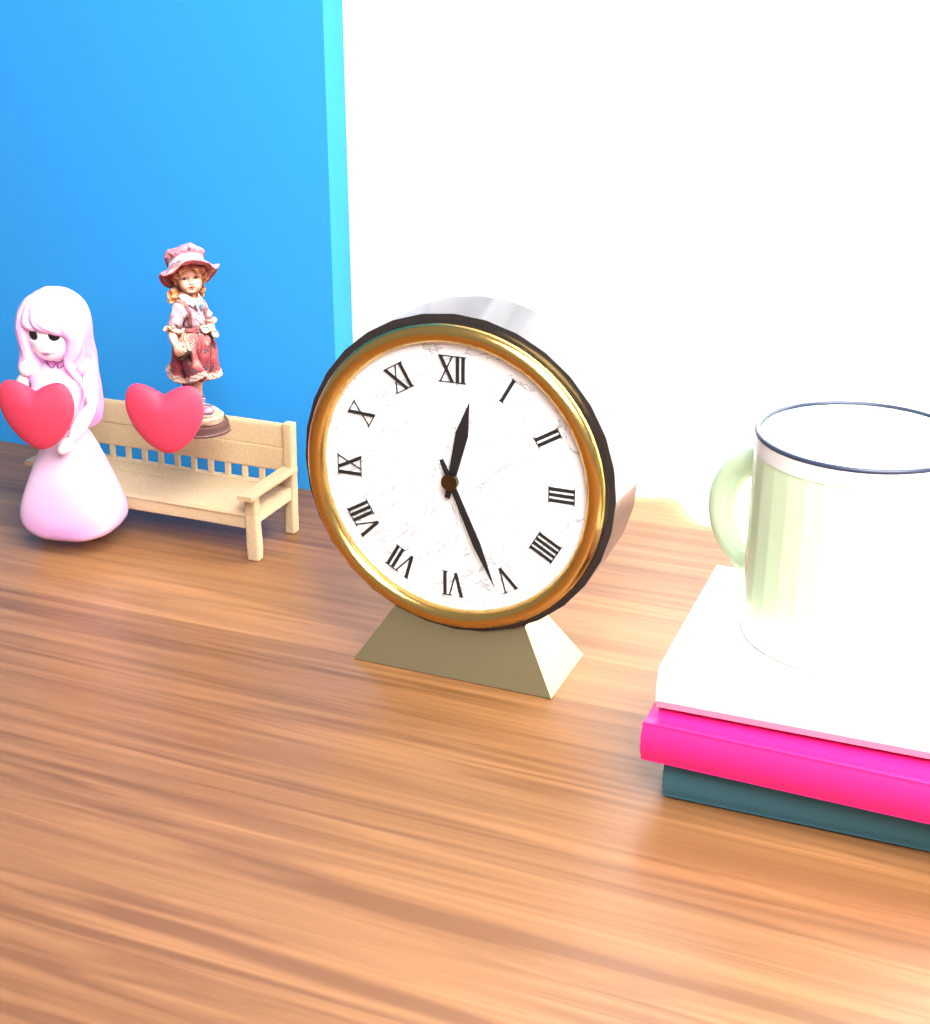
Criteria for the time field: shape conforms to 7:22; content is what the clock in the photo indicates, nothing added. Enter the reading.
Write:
12:26
